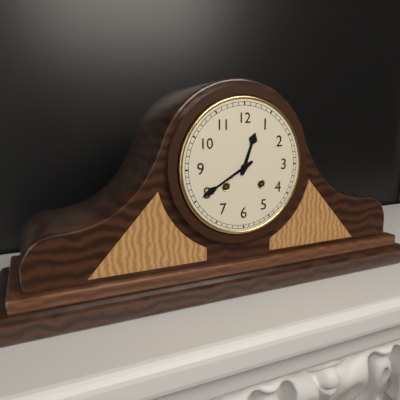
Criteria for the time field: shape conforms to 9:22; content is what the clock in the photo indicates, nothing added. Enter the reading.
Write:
12:40
